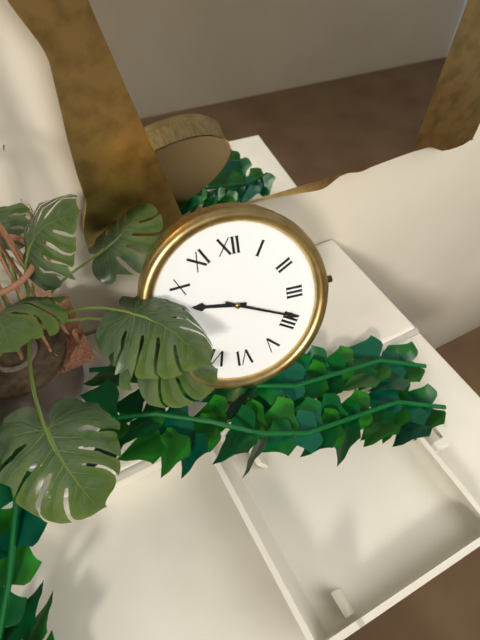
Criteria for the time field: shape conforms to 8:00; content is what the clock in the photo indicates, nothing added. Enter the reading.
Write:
9:19
